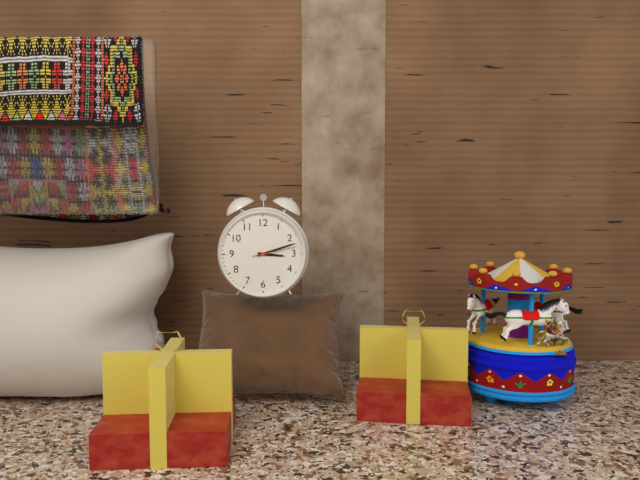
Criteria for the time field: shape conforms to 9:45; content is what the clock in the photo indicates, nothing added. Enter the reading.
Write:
3:12
